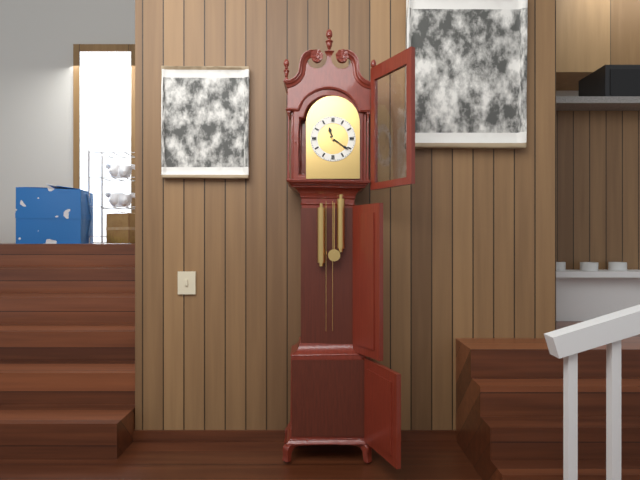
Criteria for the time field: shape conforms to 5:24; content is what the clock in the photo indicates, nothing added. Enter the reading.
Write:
11:21
